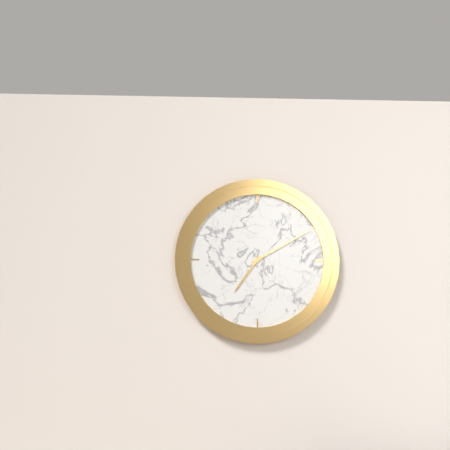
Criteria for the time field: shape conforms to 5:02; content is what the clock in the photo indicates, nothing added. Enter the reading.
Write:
7:10
